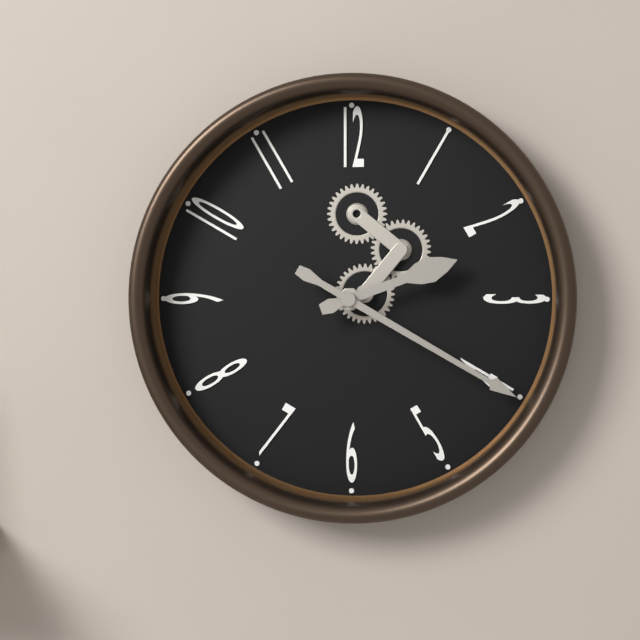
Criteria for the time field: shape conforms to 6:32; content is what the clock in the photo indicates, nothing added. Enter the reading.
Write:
2:20
